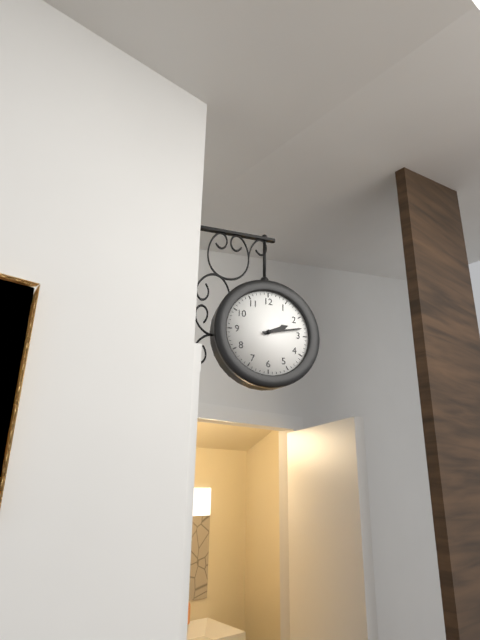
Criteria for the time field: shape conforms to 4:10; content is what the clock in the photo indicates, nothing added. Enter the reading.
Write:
2:13
